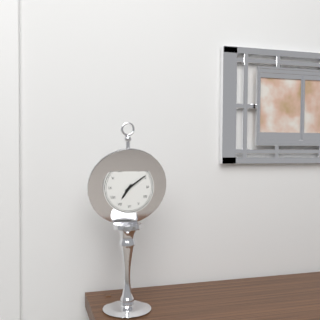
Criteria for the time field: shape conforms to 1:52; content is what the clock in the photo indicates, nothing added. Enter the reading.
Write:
7:09
